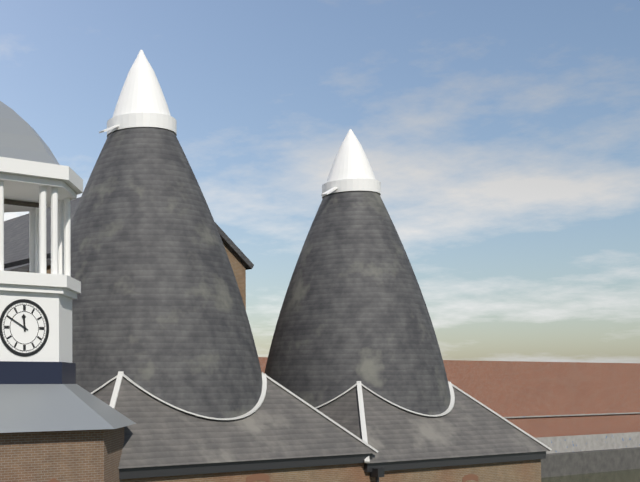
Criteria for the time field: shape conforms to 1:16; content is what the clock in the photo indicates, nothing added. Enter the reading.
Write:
11:50
